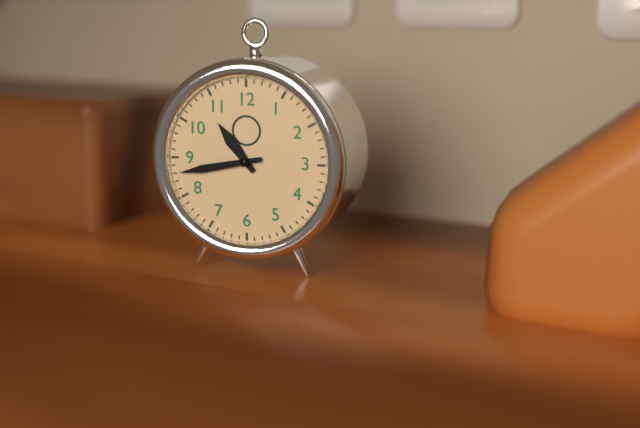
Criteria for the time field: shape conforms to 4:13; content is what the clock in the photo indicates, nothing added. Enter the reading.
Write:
10:43
